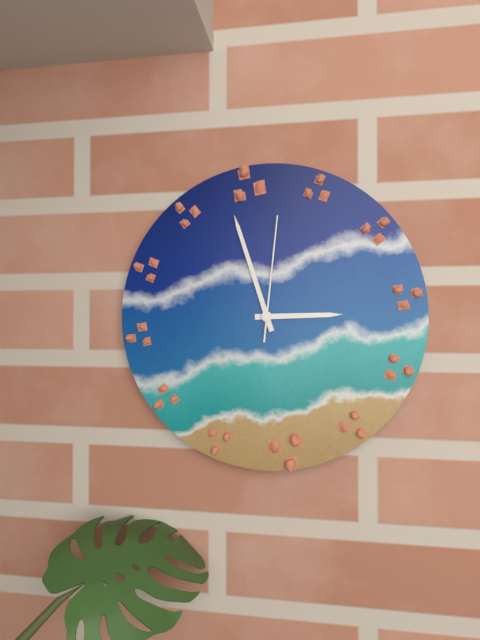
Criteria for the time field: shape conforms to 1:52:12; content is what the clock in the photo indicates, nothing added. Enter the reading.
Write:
2:57:01
